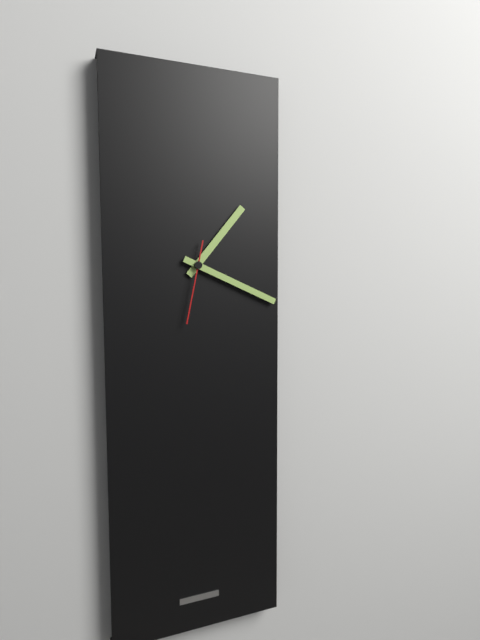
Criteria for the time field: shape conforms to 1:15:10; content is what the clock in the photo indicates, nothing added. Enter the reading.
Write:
1:19:32
